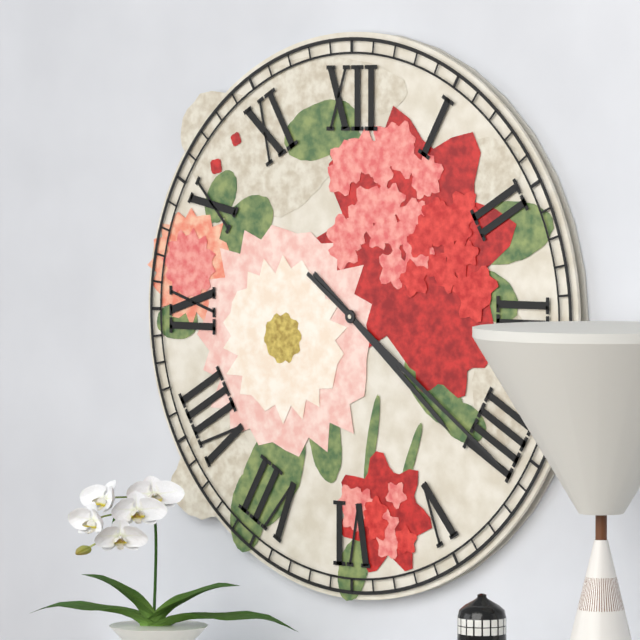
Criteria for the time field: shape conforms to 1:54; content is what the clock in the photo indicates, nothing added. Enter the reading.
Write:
4:21
